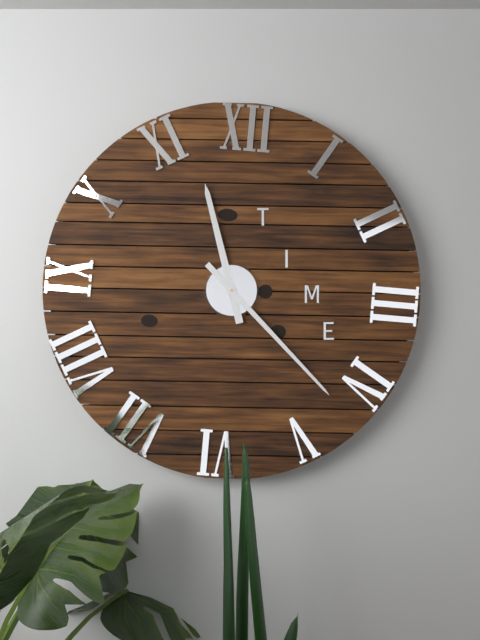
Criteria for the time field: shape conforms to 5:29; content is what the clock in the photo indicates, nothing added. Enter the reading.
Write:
11:22
